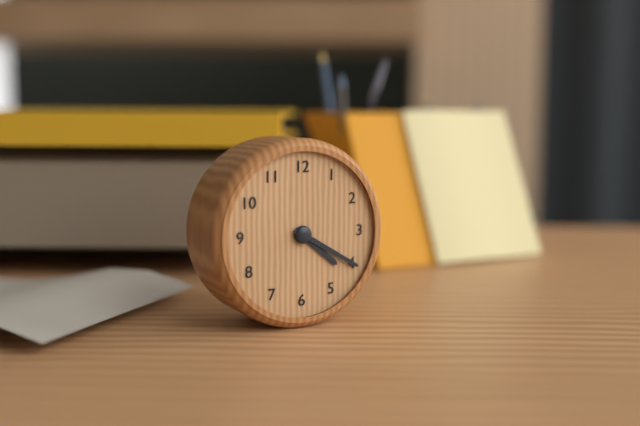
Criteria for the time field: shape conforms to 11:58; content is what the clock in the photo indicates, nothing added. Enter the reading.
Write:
4:20
